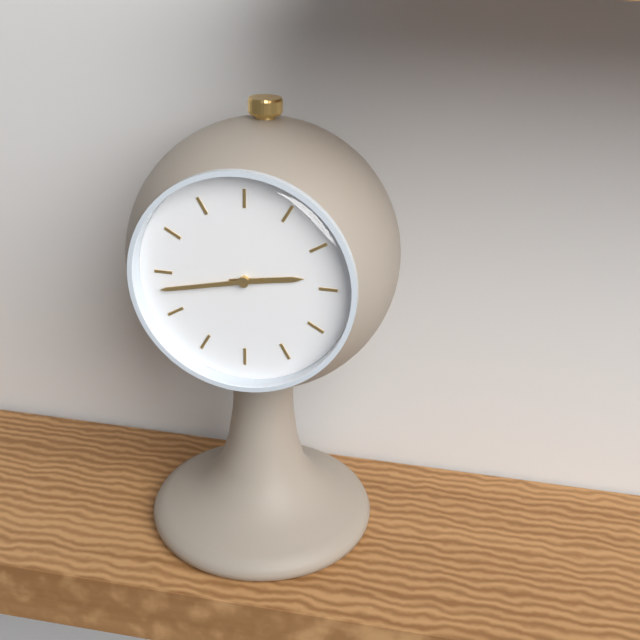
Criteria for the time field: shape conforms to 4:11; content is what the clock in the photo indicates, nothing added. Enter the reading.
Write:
2:43
